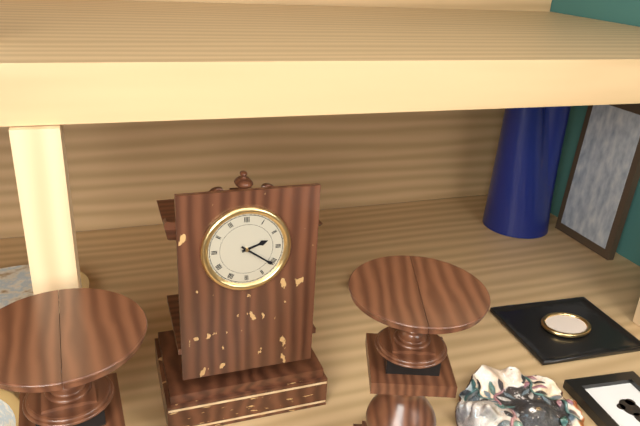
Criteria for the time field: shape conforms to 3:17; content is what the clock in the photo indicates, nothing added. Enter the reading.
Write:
2:21
